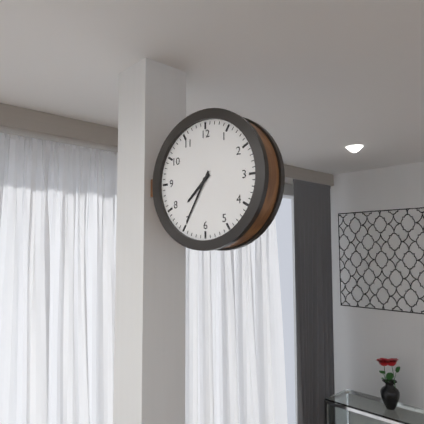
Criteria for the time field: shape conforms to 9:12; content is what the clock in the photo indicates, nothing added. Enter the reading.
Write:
7:35
